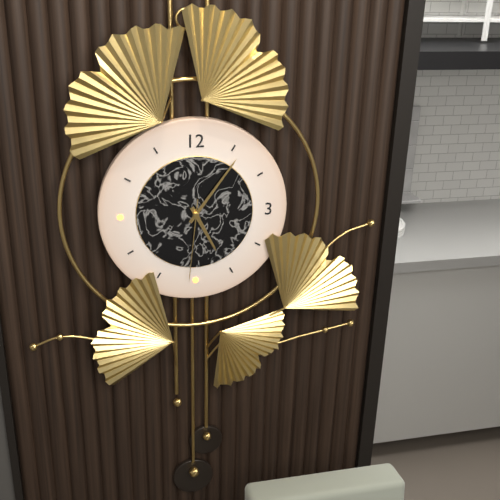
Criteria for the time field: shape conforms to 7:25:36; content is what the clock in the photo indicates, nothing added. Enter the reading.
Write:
5:06:31
